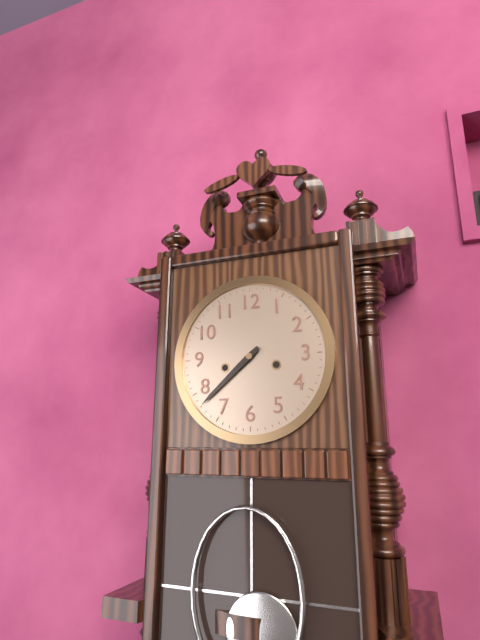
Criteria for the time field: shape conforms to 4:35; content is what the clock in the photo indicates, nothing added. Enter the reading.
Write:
7:38
